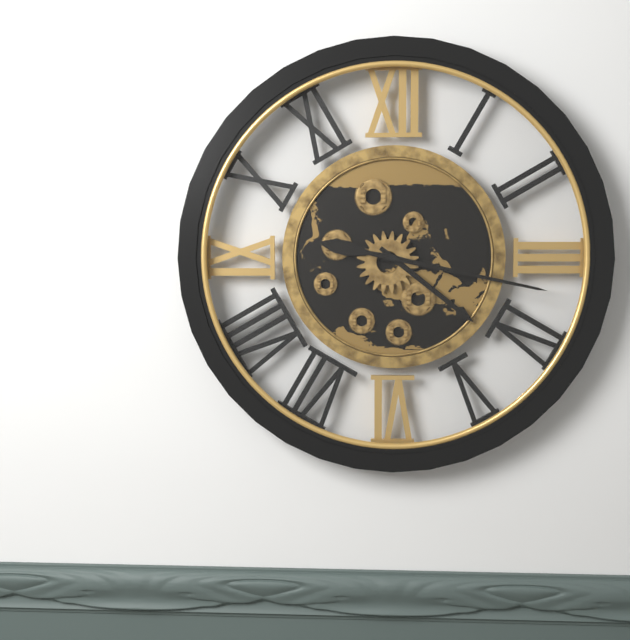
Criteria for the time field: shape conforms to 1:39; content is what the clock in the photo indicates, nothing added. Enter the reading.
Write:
4:17
